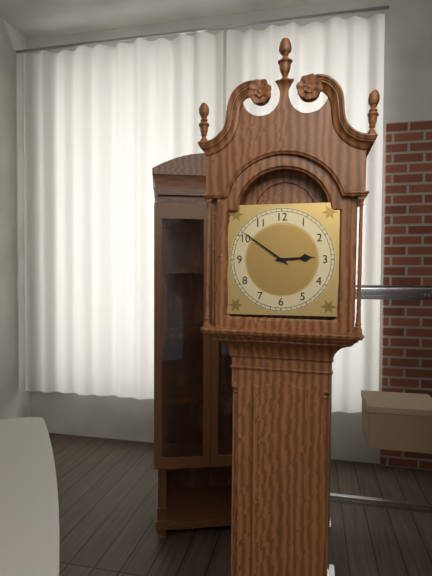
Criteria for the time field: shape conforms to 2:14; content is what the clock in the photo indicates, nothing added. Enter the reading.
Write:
2:51
